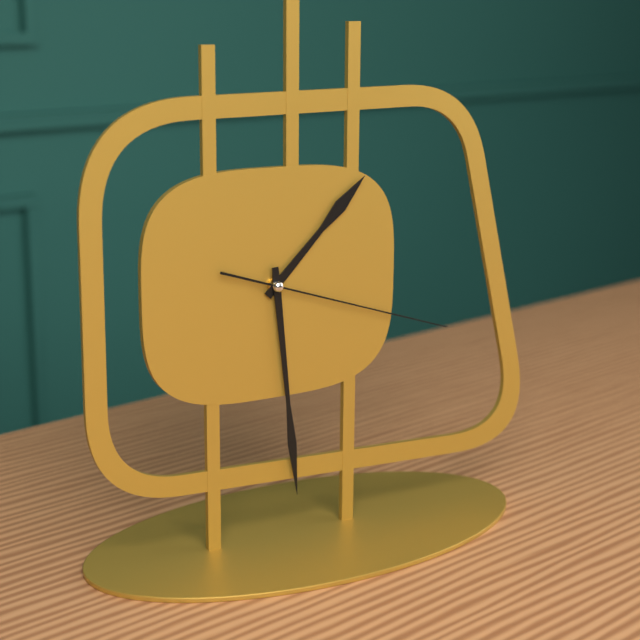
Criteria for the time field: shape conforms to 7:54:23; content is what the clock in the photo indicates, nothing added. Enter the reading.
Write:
1:29:18
